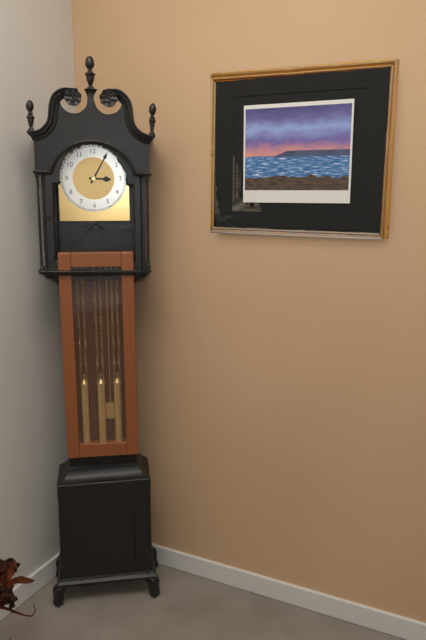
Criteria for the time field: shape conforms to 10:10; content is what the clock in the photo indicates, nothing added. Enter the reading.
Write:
3:05
